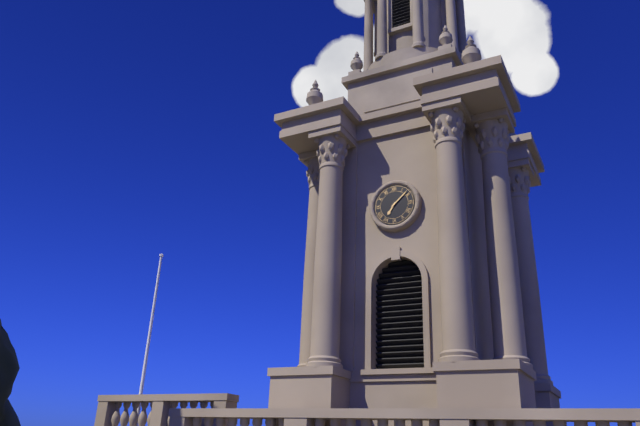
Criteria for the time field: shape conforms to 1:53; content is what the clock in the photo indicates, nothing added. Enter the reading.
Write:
7:08
